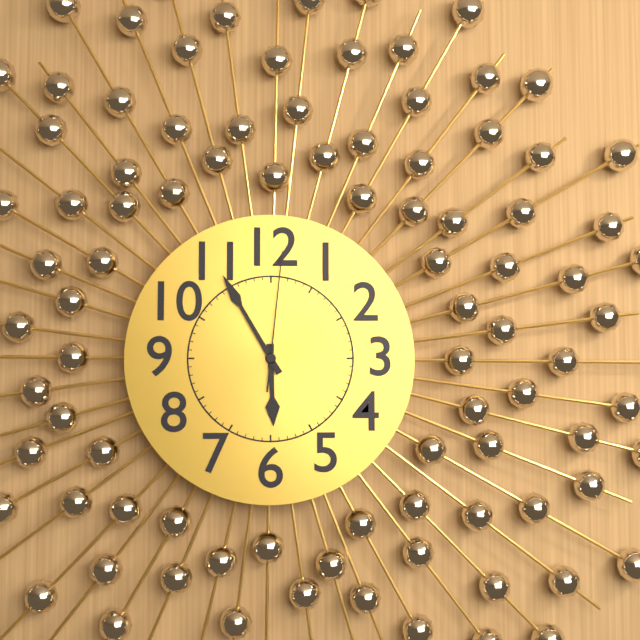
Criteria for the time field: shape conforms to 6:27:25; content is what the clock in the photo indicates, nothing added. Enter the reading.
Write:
5:55:01
